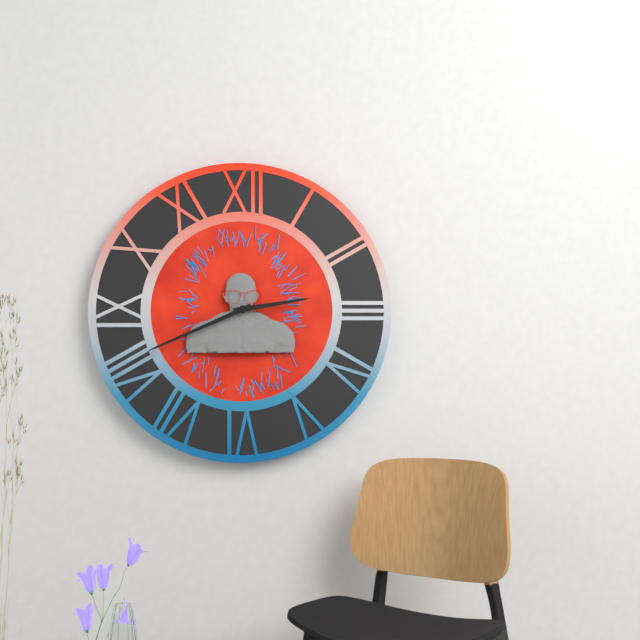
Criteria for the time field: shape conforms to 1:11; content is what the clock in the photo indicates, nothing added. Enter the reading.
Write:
2:41
